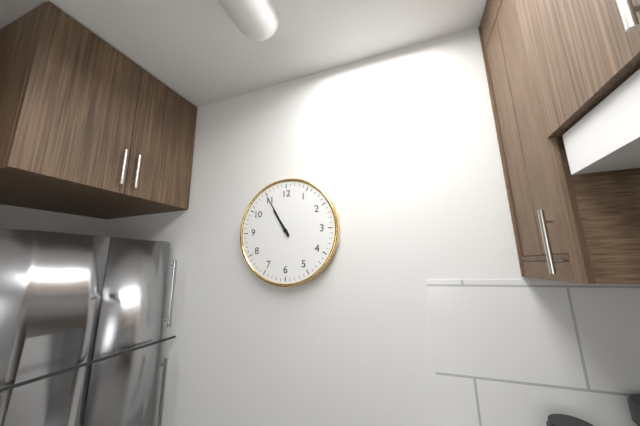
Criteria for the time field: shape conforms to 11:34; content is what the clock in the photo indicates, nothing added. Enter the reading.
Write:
10:55
